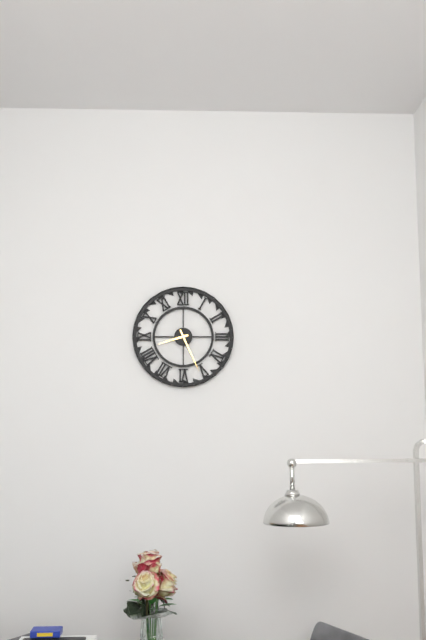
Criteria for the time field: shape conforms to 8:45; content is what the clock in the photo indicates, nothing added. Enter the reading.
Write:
8:26
